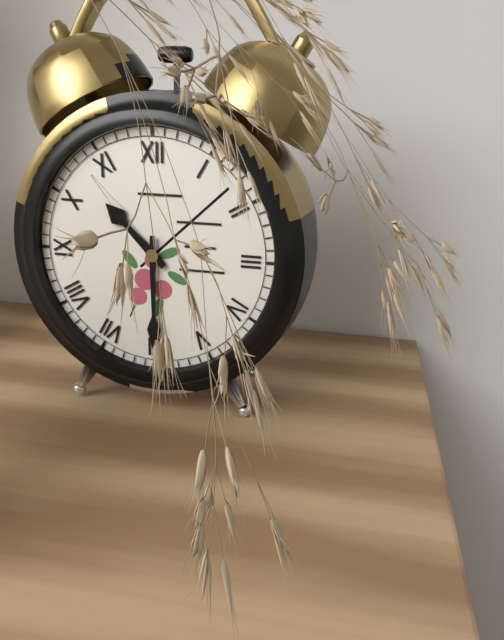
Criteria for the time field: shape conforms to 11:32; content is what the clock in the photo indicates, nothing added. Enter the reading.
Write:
10:30
